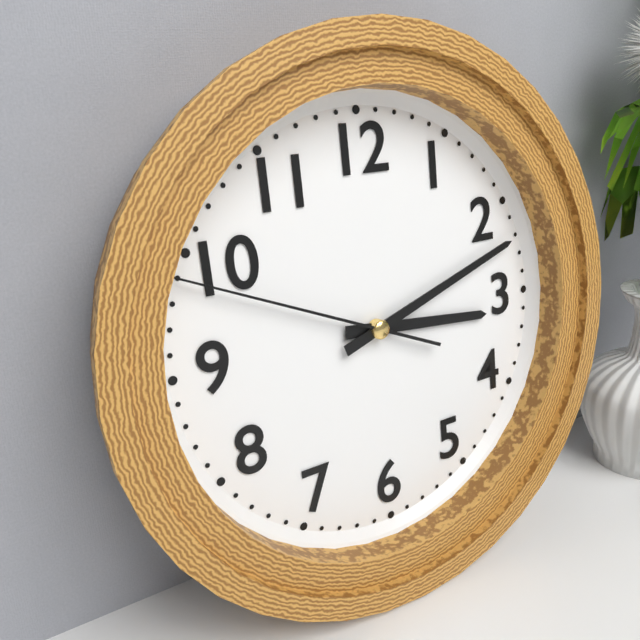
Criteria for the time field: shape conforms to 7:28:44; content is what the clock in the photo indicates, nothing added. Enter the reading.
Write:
3:12:49
